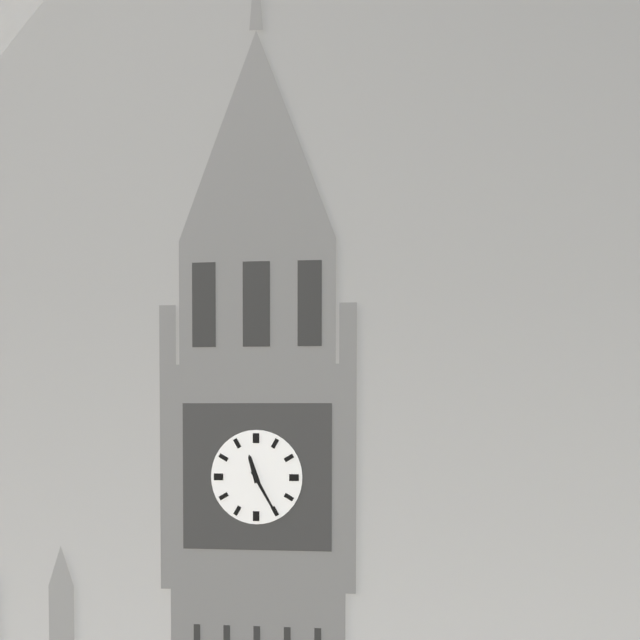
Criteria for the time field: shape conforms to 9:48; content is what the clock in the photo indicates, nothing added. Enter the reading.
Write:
11:25
